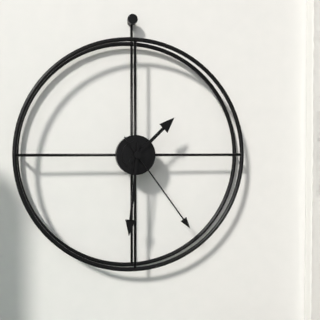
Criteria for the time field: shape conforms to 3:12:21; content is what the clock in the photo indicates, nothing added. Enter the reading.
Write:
1:31:24
